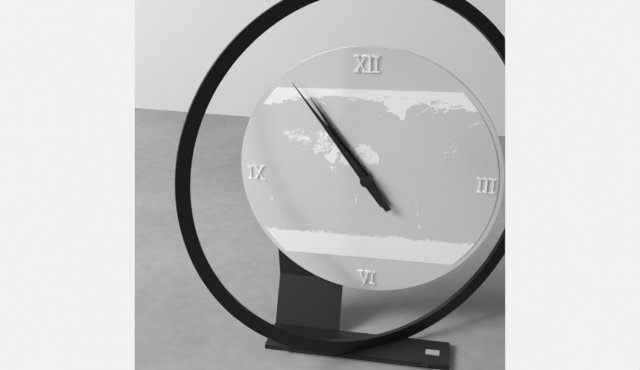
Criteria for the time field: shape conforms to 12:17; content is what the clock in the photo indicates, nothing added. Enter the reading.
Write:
10:54
